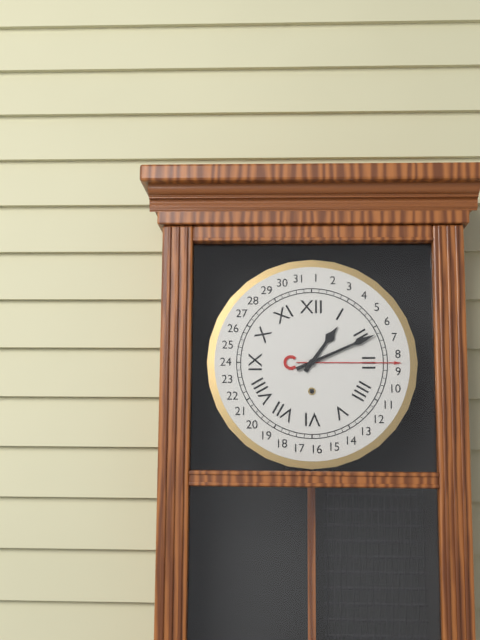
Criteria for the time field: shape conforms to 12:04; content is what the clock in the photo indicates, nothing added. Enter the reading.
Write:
1:11
